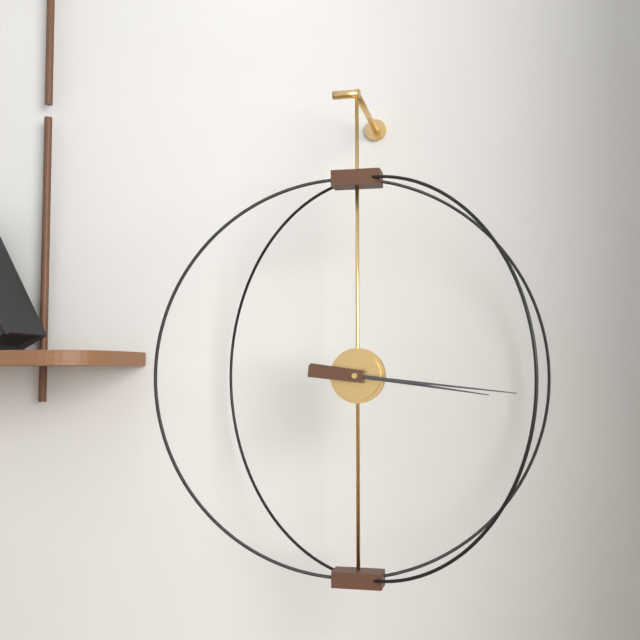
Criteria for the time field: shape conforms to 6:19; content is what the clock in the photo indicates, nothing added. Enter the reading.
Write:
3:16
